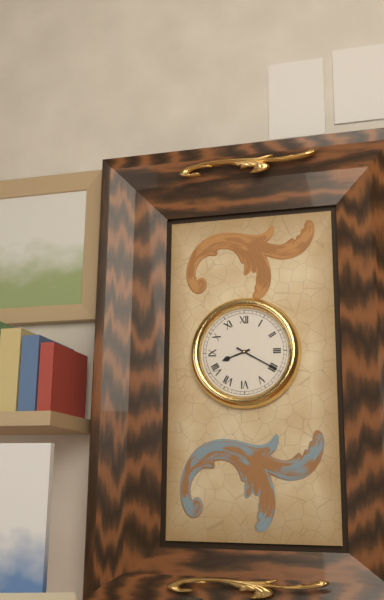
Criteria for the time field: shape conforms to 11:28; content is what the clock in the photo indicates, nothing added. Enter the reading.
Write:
8:20
